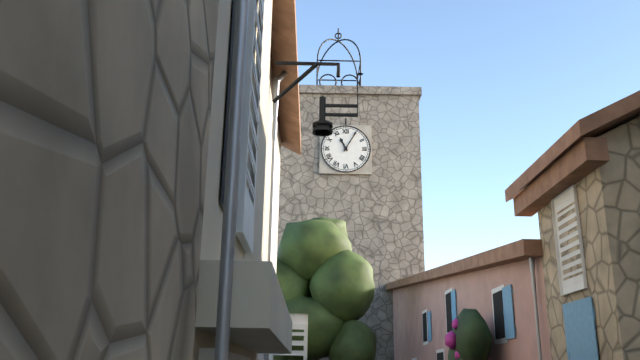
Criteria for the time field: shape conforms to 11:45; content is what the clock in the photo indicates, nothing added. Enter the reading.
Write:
11:05
